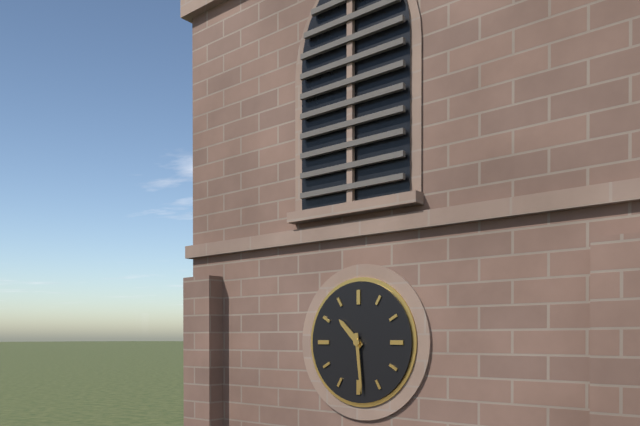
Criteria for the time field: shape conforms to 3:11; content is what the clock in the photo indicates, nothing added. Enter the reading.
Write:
10:29
